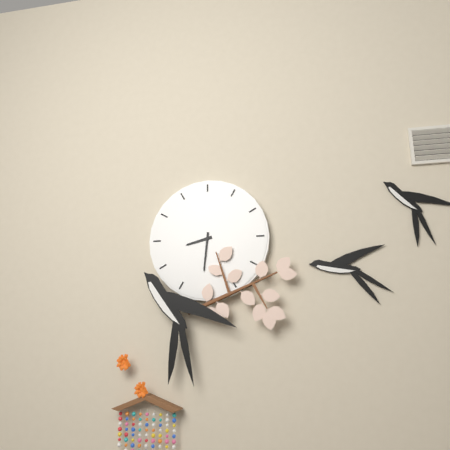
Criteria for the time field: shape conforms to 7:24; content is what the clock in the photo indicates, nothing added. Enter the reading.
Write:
8:31
